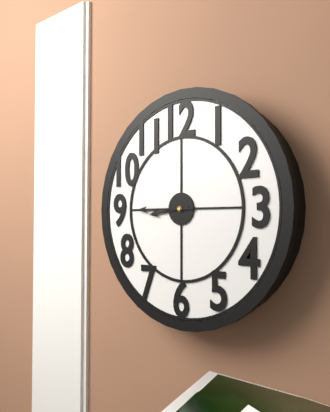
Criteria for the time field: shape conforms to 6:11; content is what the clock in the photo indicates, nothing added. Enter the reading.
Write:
8:45
